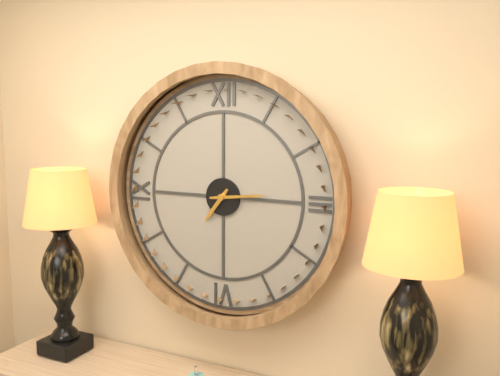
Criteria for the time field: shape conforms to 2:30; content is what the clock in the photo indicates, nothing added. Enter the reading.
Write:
7:14
